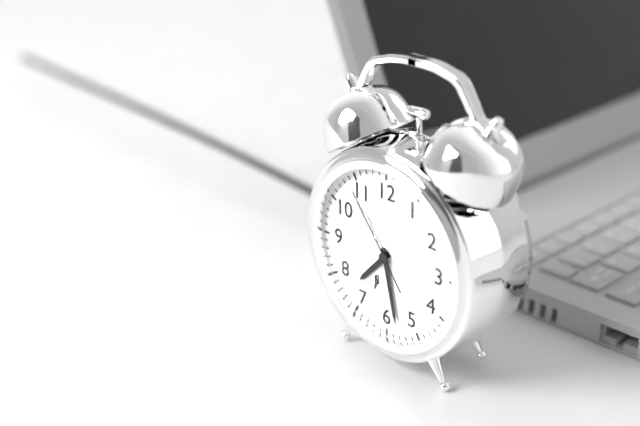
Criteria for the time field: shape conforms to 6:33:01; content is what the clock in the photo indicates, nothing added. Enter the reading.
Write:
7:28:54
